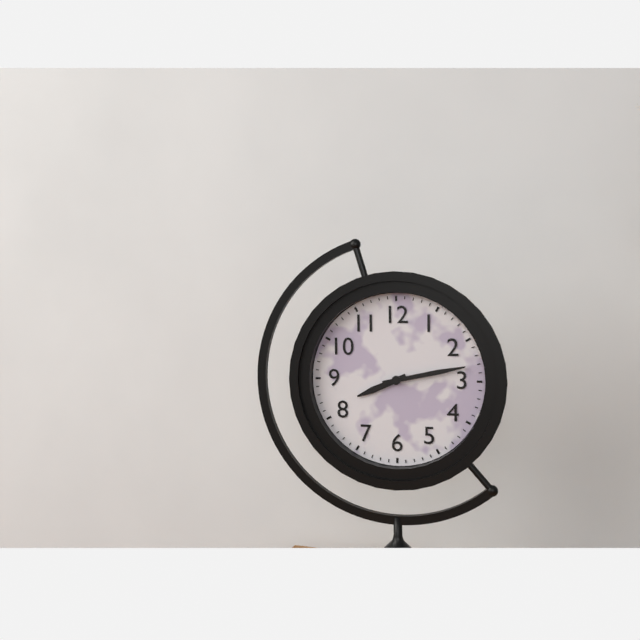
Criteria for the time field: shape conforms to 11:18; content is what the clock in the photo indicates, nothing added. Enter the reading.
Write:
8:13
